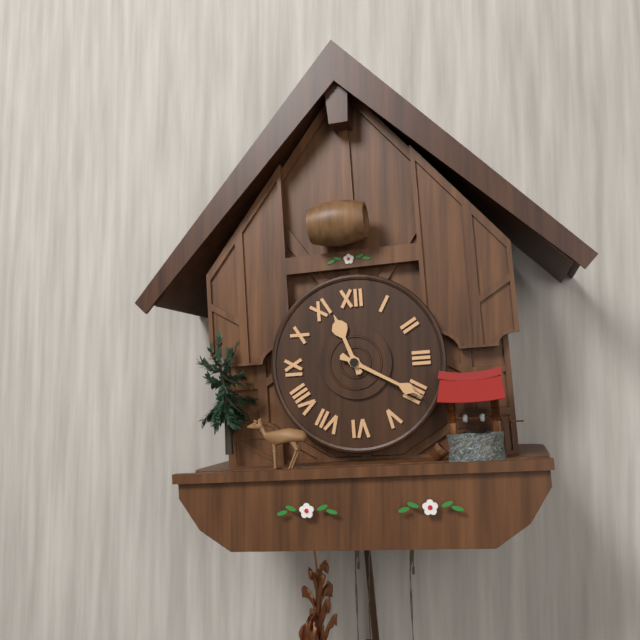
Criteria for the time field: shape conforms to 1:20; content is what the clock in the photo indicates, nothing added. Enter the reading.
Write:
11:20
